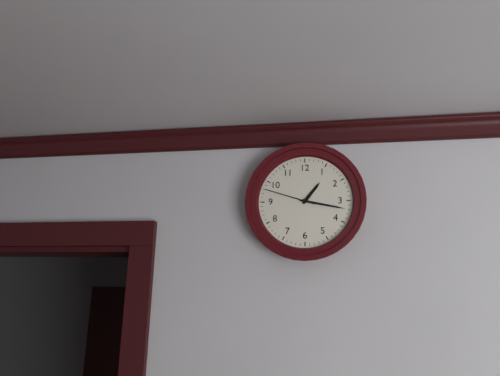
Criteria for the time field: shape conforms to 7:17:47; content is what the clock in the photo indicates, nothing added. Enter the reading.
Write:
1:17:48
